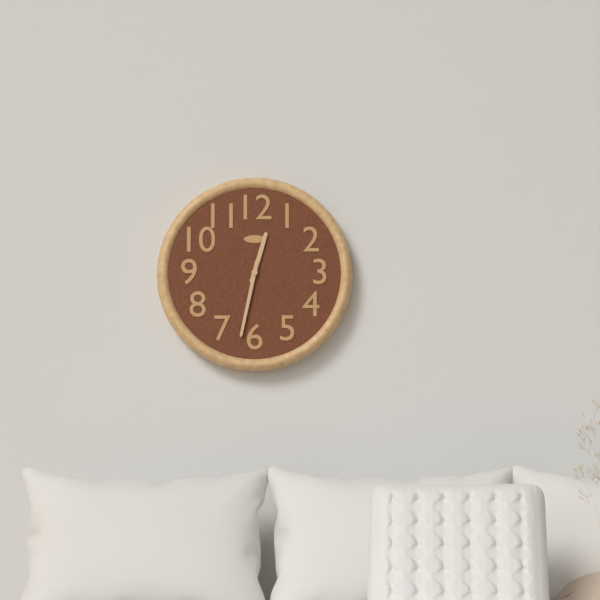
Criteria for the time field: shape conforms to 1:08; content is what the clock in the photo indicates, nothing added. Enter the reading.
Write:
12:32
